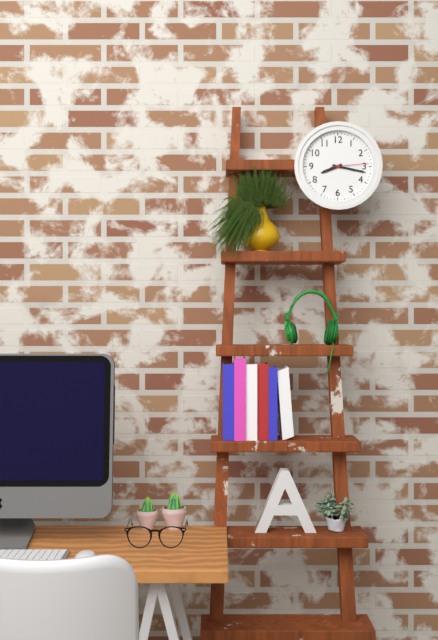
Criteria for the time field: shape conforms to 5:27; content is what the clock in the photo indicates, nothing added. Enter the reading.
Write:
8:17
